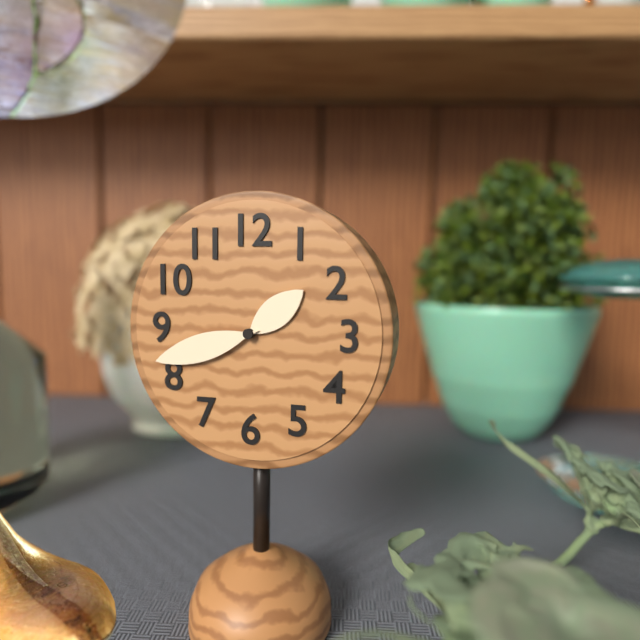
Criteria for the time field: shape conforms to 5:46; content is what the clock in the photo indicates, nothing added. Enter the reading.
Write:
1:42
